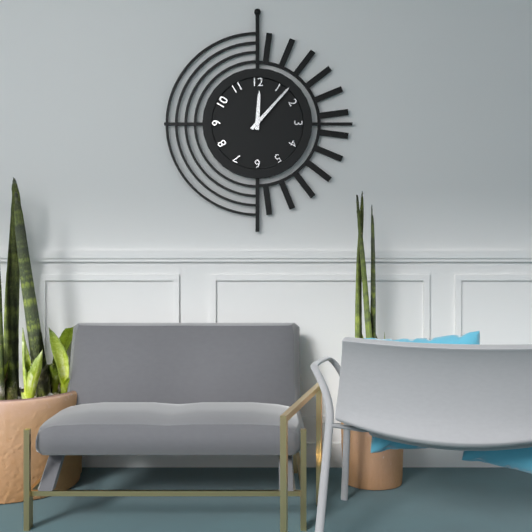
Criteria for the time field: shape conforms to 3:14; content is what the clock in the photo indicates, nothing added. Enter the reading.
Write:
12:07
